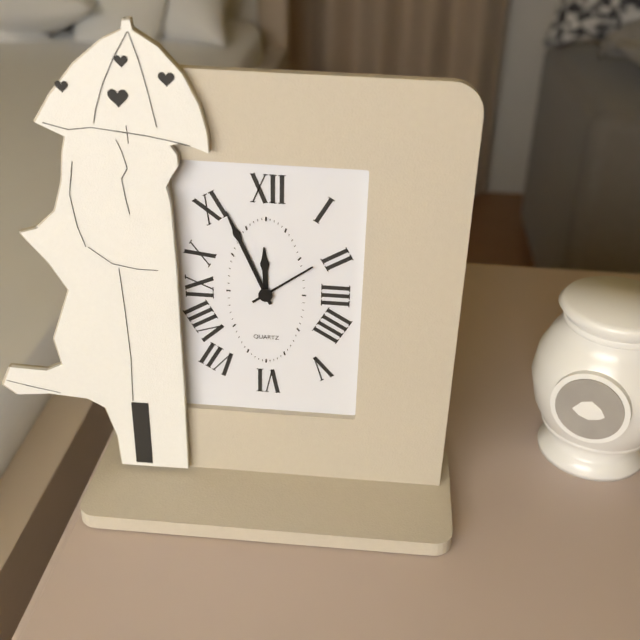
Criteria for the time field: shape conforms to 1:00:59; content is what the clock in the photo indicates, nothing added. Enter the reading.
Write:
11:56:09
